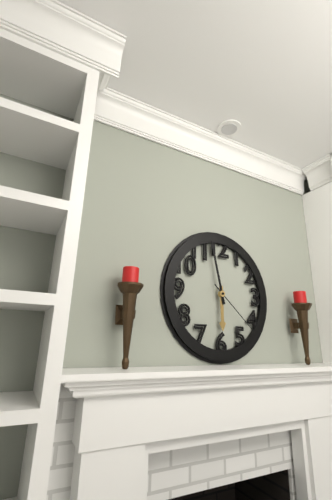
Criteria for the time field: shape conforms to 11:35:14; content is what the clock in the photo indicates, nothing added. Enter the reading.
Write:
5:58:22
